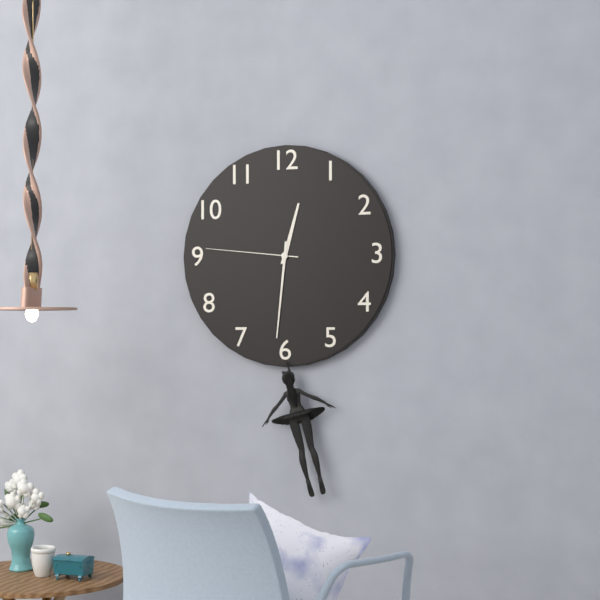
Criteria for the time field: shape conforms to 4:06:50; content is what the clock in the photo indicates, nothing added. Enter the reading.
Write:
12:31:46
